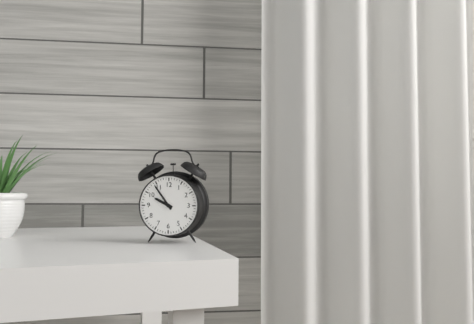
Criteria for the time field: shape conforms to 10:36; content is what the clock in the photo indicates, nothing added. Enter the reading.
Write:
9:54
